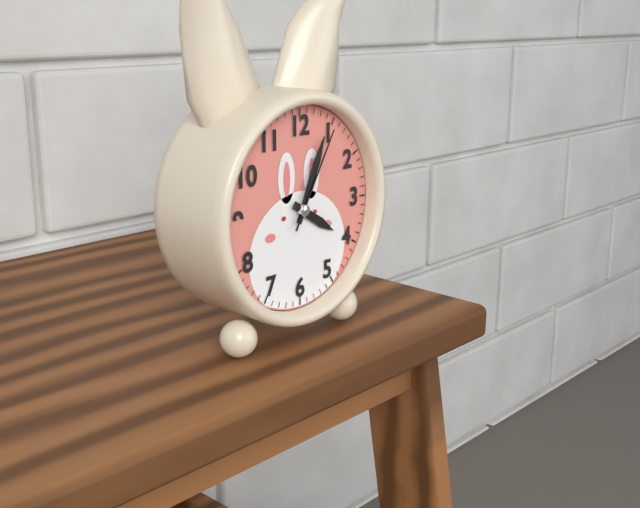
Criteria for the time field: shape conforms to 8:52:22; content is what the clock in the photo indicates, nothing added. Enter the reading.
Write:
4:04:05
